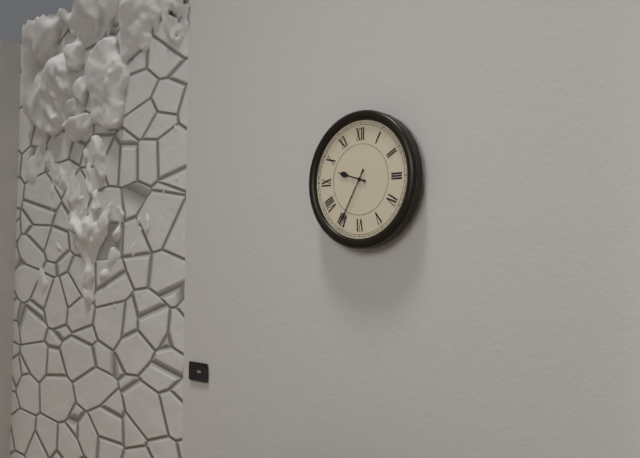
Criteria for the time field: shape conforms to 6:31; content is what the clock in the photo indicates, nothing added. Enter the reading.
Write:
9:35
